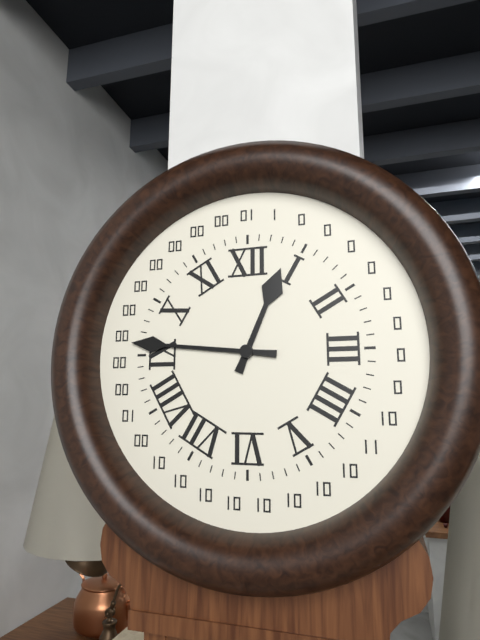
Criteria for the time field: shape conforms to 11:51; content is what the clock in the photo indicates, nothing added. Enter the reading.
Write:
12:46
